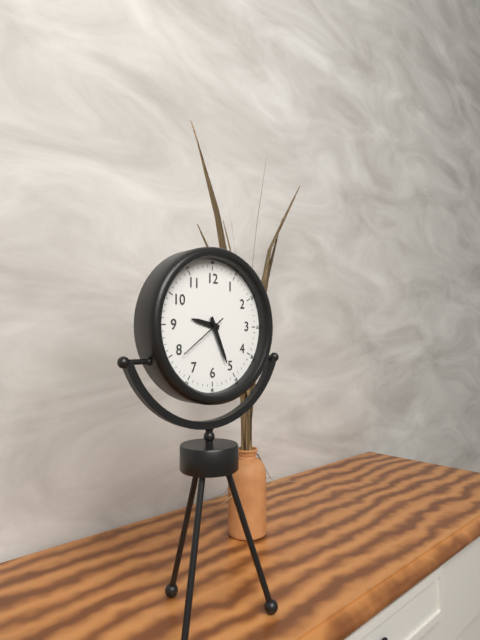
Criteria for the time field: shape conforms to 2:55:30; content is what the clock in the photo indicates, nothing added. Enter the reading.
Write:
9:26:39
